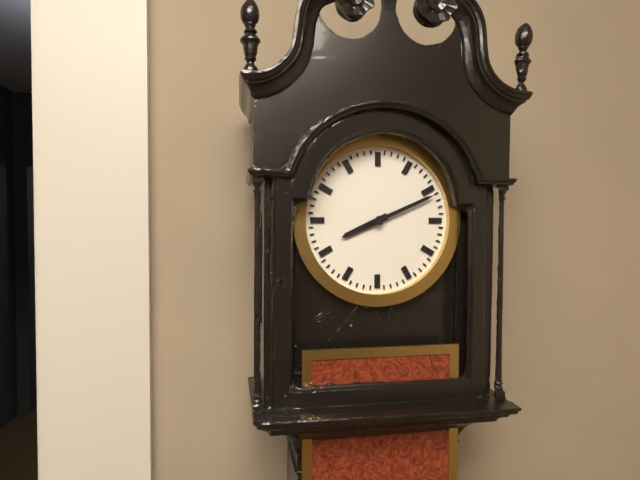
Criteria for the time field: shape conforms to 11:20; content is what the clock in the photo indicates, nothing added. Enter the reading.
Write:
8:11
